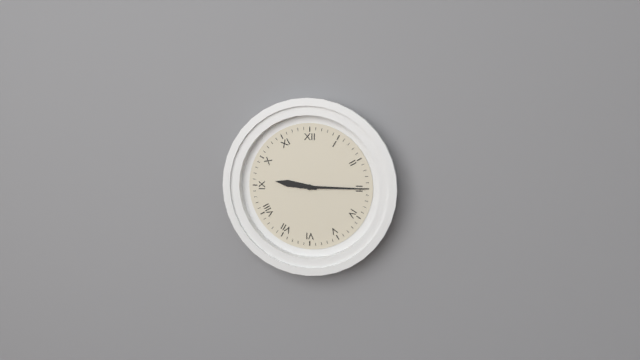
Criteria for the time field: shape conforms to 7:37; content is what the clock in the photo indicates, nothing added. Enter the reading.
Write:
9:15
